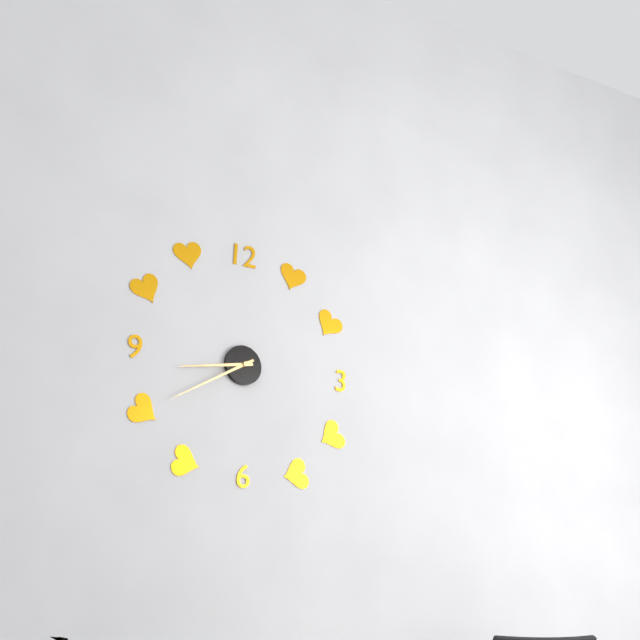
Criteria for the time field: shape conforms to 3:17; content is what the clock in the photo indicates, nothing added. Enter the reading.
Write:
8:40
